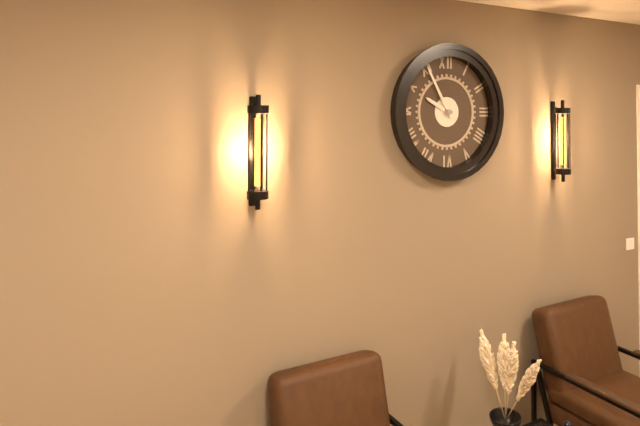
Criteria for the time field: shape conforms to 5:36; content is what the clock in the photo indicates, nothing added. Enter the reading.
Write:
9:55
